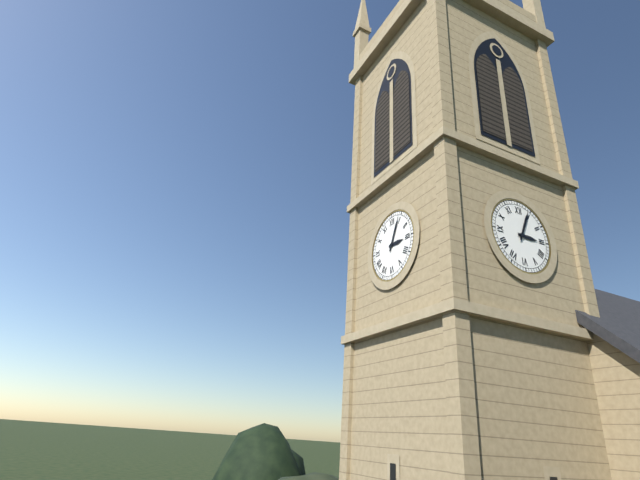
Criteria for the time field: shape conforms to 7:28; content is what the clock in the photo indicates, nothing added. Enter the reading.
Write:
3:04
